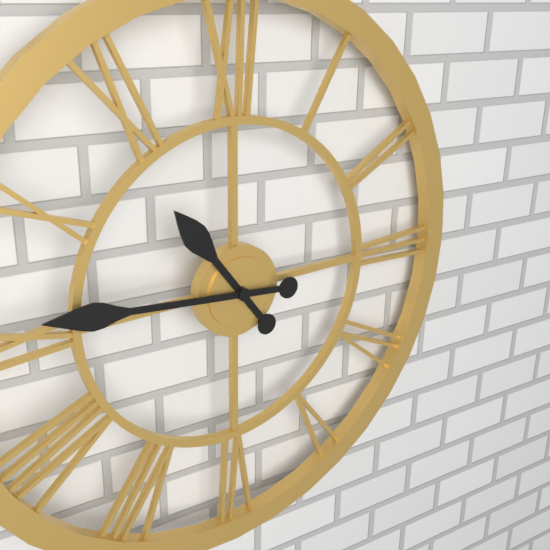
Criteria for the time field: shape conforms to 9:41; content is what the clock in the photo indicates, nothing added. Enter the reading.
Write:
10:46
